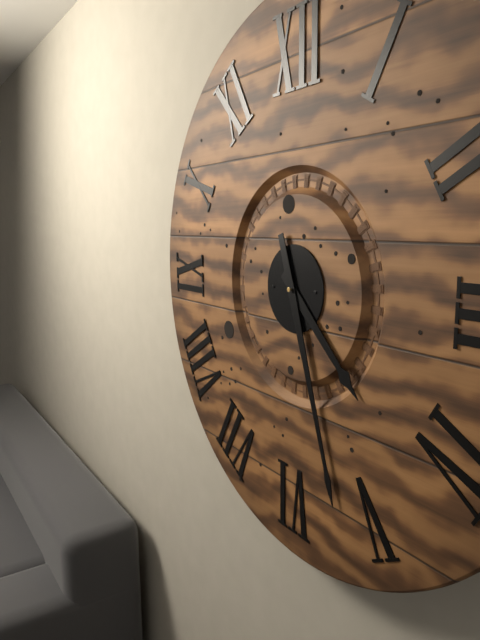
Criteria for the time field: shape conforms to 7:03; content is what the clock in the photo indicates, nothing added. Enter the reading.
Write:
4:27
